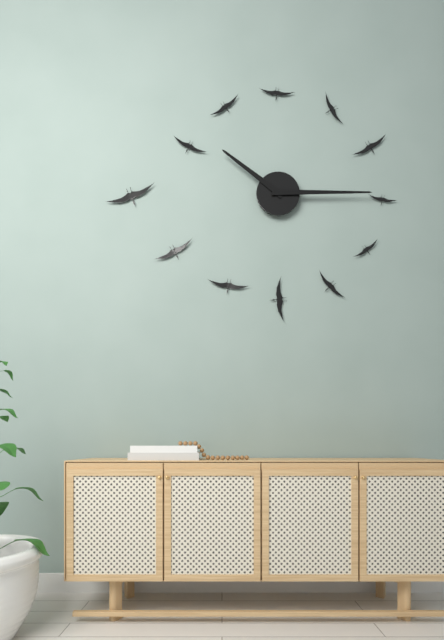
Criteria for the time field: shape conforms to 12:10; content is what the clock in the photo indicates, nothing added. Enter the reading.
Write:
10:15
